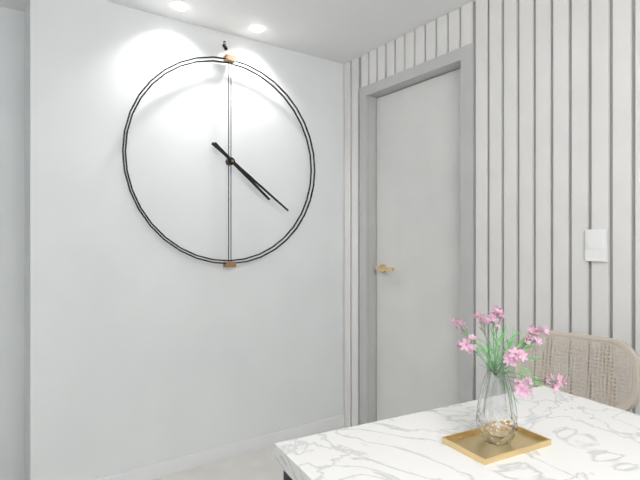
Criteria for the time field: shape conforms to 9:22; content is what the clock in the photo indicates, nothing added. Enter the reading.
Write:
4:21
